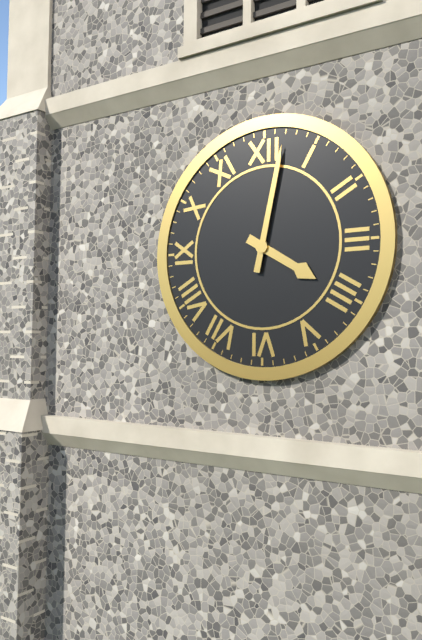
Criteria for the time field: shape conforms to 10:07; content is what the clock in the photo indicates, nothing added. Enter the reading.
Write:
4:02
